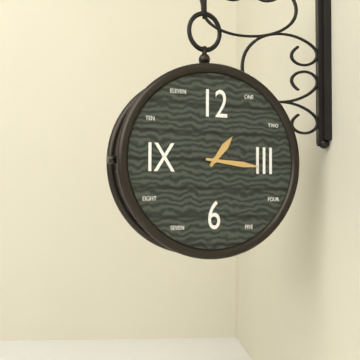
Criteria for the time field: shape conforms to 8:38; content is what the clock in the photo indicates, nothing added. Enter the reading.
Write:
1:16
